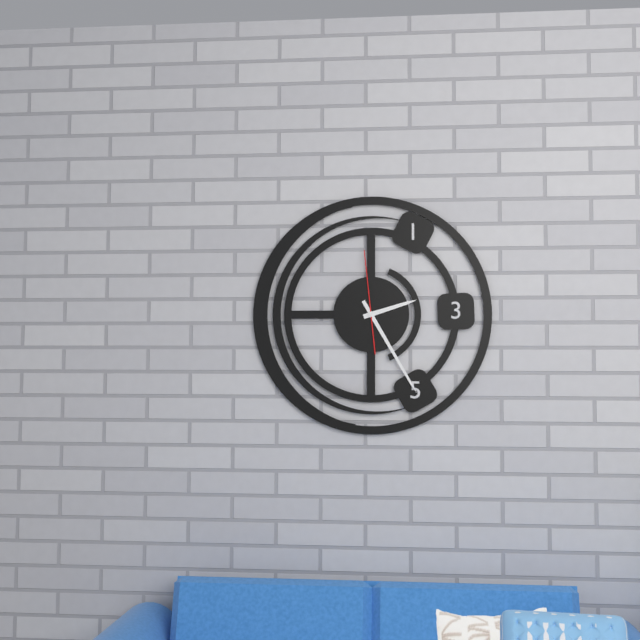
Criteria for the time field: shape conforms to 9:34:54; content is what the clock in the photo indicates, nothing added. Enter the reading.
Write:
2:25:59
